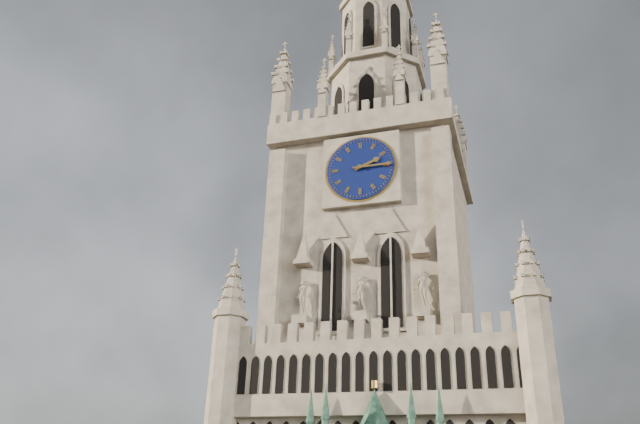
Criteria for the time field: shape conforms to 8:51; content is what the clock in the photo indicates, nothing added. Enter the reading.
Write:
2:15
